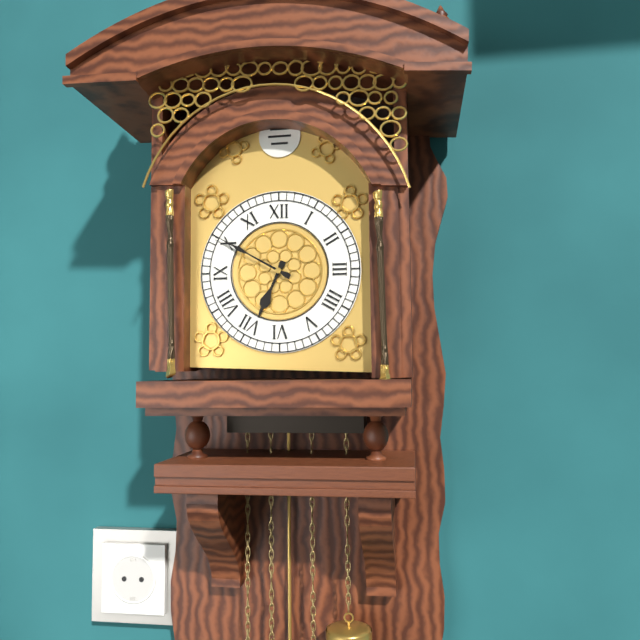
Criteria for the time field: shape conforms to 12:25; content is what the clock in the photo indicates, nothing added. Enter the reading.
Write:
6:50
